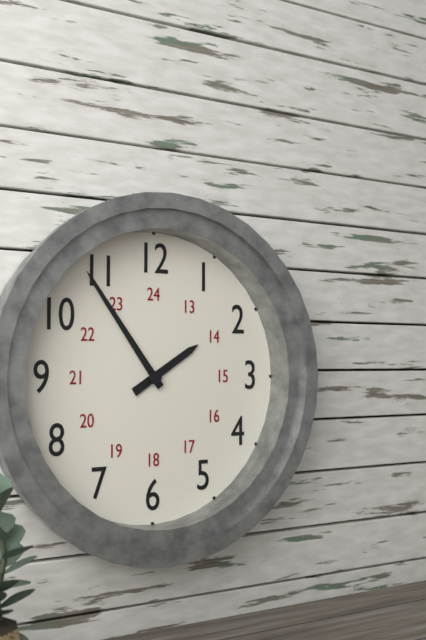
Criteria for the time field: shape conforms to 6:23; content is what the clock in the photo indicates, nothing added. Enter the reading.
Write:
1:54
